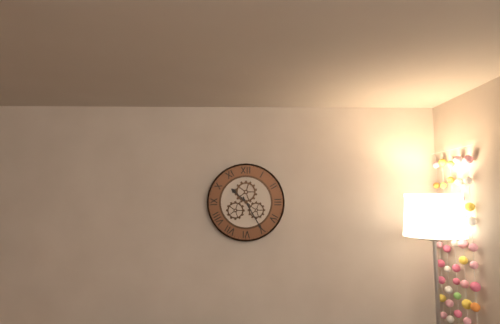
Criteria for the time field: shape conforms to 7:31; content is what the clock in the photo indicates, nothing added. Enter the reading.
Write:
10:25
